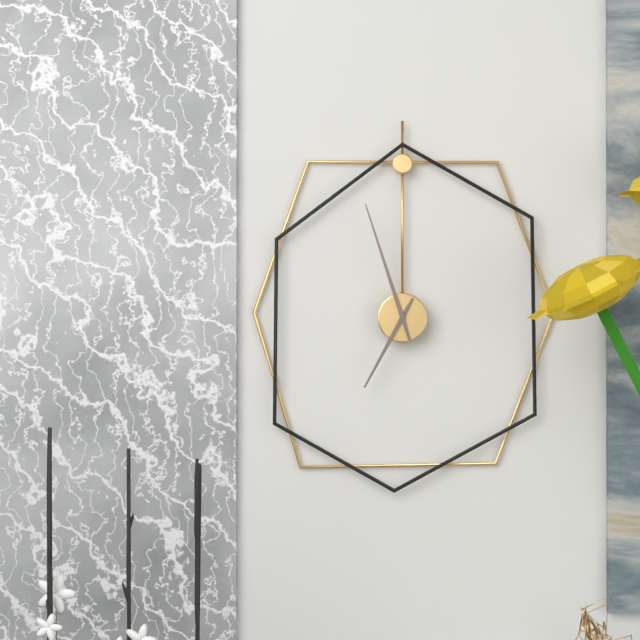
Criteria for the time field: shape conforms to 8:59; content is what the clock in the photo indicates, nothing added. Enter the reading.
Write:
6:57
